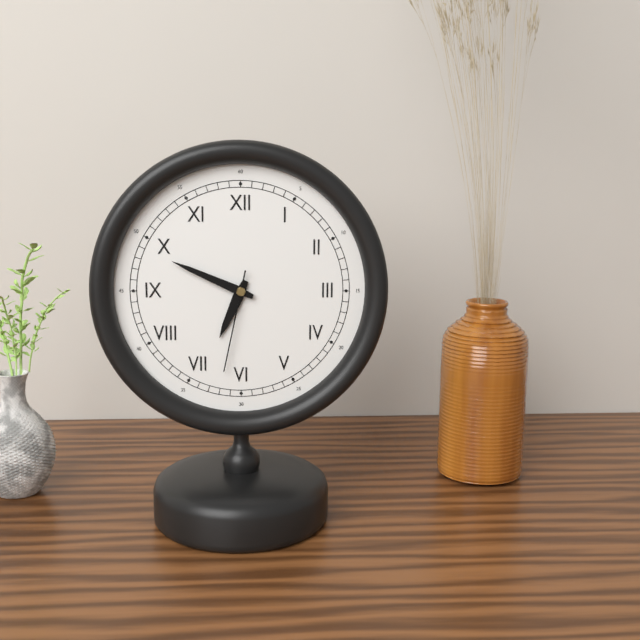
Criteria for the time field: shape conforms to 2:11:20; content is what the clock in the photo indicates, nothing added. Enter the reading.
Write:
6:49:32
